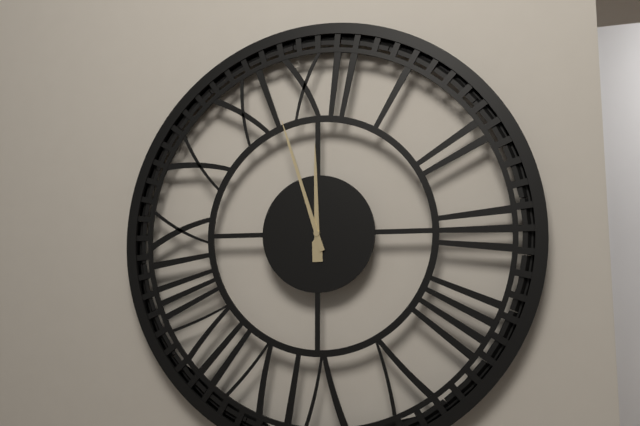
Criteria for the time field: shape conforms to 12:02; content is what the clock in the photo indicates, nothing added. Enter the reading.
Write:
11:57
